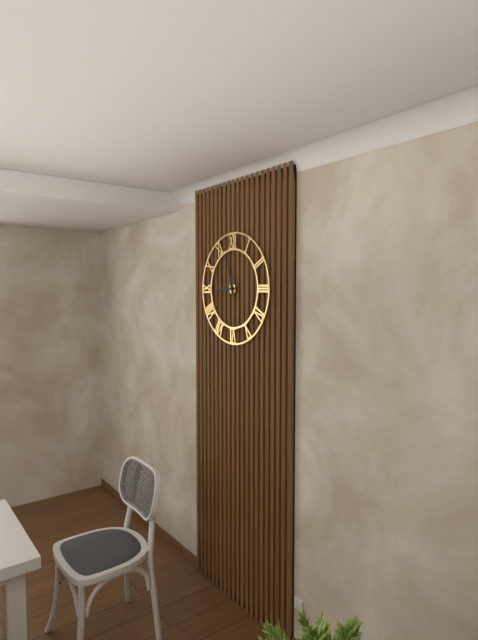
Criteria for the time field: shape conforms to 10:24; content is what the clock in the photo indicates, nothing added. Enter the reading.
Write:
8:58
